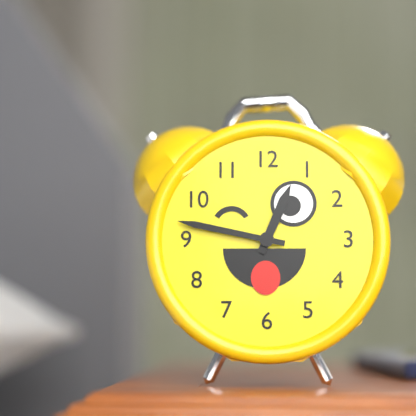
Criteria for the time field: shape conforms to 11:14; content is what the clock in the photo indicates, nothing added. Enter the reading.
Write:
12:47
